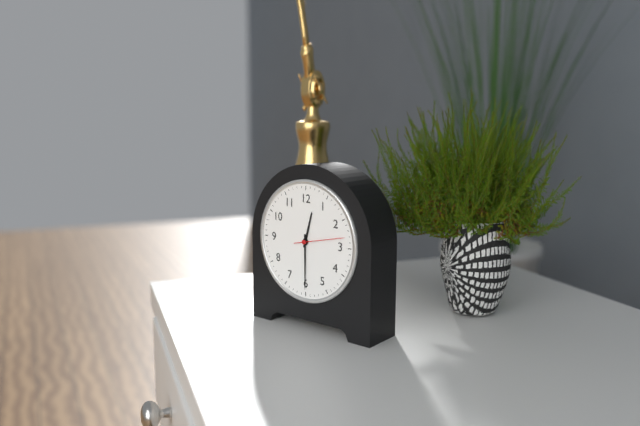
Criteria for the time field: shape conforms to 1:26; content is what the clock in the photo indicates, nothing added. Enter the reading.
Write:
12:30
